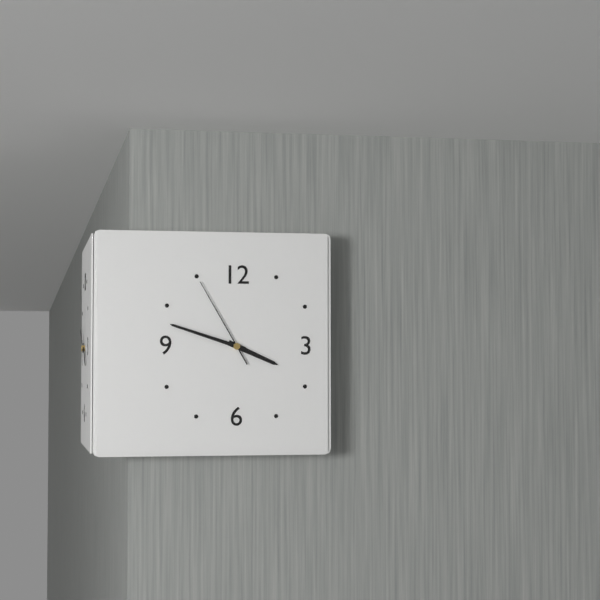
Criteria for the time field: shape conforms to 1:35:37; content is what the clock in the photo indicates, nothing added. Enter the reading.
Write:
3:48:55
